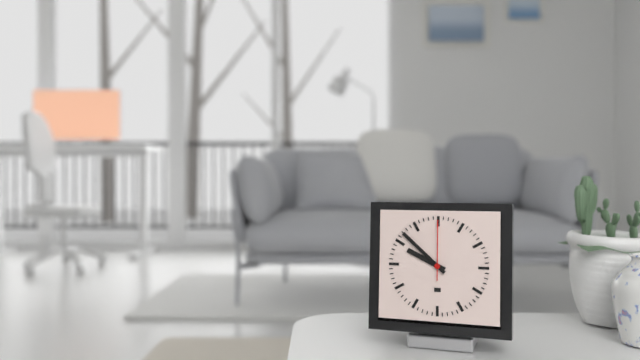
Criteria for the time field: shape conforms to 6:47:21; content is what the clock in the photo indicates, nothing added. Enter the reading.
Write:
9:52:00
